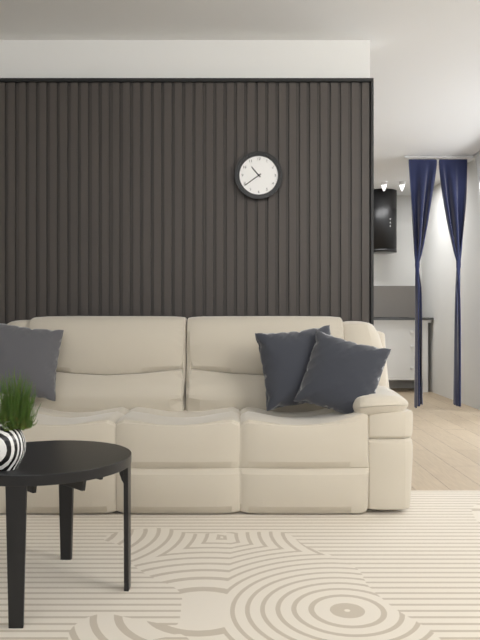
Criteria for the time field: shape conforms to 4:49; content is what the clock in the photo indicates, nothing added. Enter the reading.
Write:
10:39
